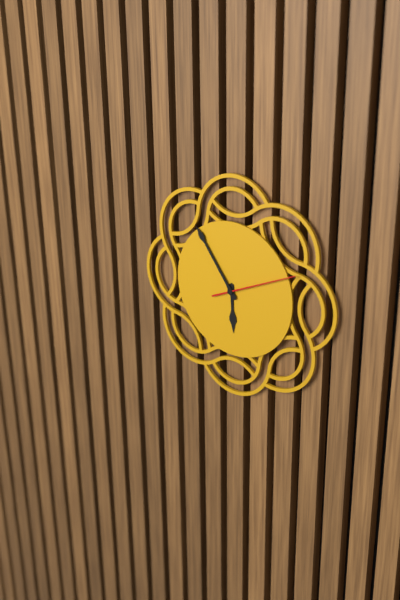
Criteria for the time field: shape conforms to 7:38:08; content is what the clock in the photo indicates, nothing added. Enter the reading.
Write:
5:54:11
